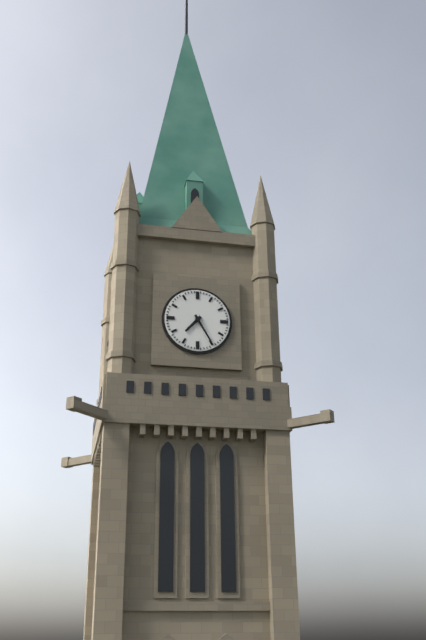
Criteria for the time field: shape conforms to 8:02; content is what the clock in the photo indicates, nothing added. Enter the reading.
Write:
7:25
